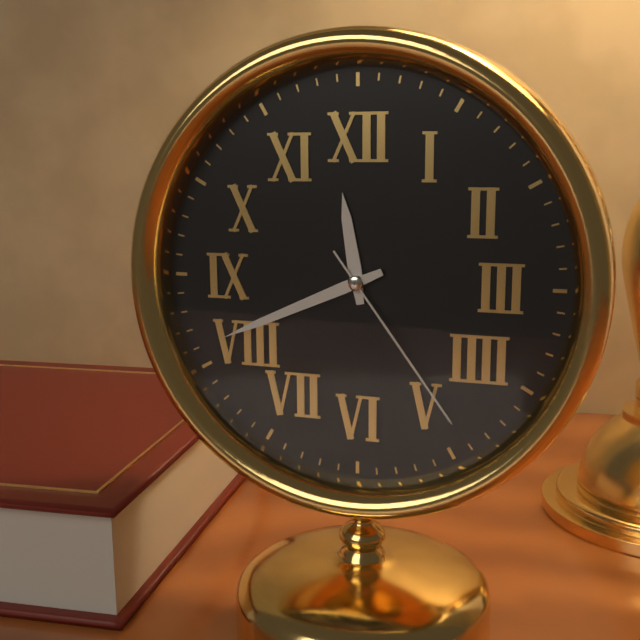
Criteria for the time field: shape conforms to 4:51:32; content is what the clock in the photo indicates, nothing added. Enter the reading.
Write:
11:41:24
